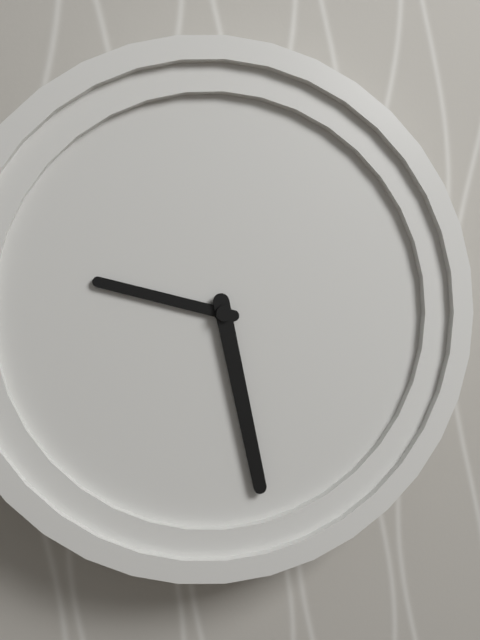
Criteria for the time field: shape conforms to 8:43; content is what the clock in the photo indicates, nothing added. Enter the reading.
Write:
9:28
